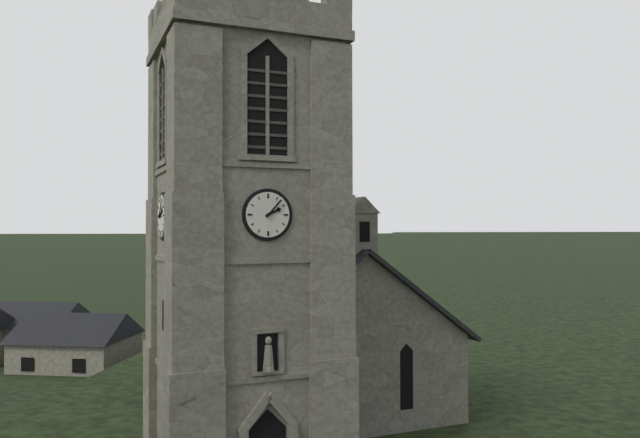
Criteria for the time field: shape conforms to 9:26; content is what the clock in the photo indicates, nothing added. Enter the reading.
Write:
2:07
